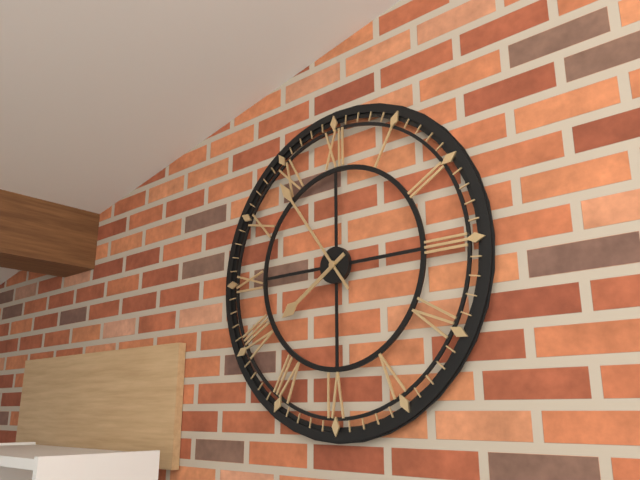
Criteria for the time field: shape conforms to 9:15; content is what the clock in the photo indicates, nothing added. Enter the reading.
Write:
7:54
